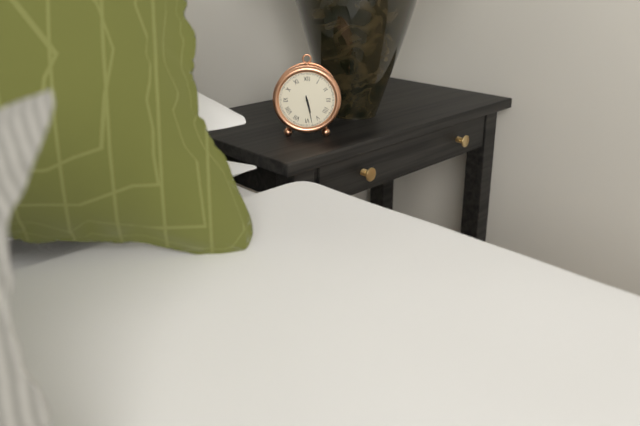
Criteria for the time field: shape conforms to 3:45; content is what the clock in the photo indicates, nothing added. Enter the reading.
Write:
5:28
